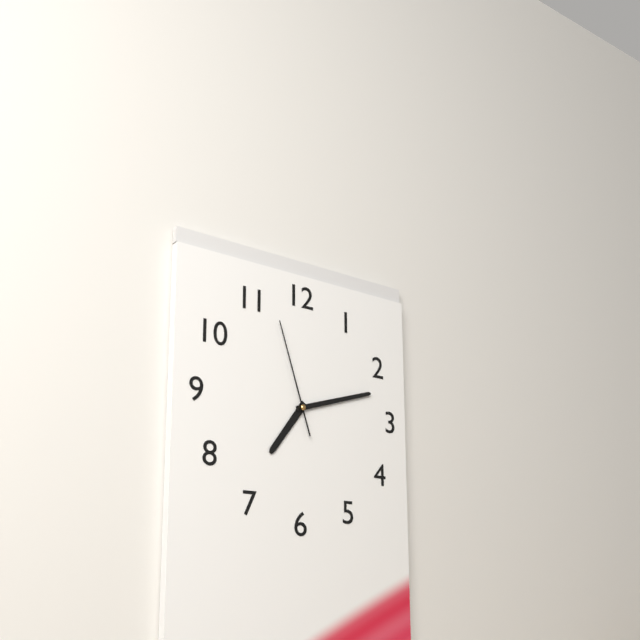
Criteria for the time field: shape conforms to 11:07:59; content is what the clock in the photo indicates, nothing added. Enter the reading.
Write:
7:12:57
